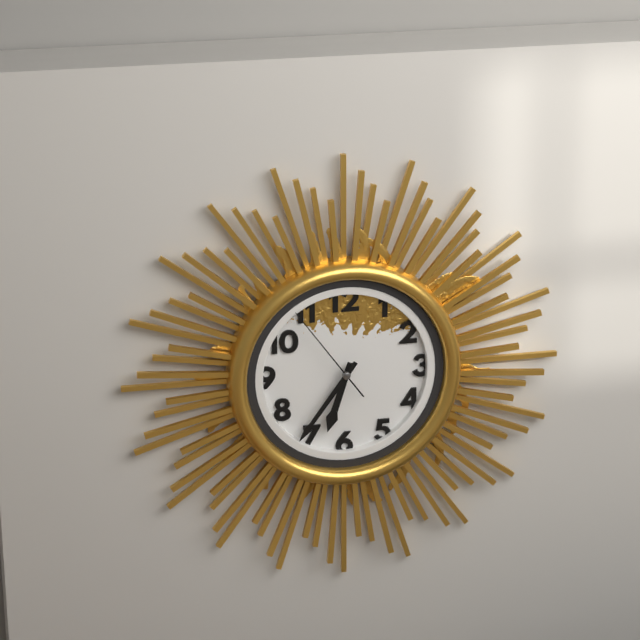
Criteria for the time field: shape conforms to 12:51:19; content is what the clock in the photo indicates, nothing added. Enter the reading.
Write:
6:36:54
